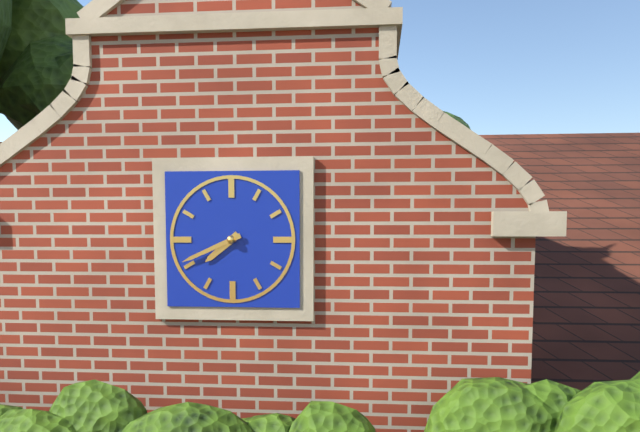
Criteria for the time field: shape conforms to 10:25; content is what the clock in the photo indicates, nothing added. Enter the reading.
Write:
7:41
